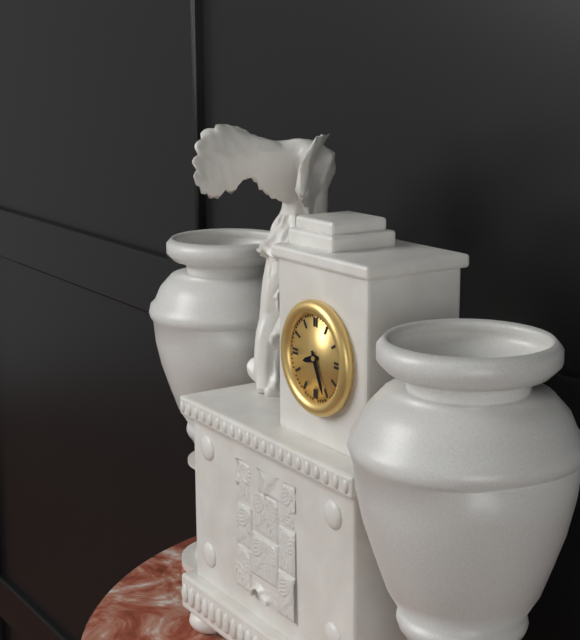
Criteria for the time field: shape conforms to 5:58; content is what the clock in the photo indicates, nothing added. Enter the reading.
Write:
8:26
